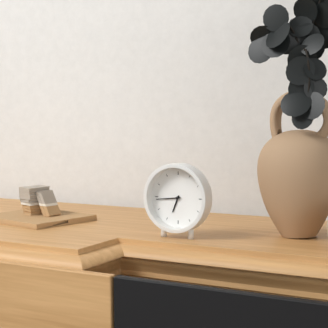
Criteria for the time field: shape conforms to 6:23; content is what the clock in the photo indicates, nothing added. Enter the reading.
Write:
6:44
